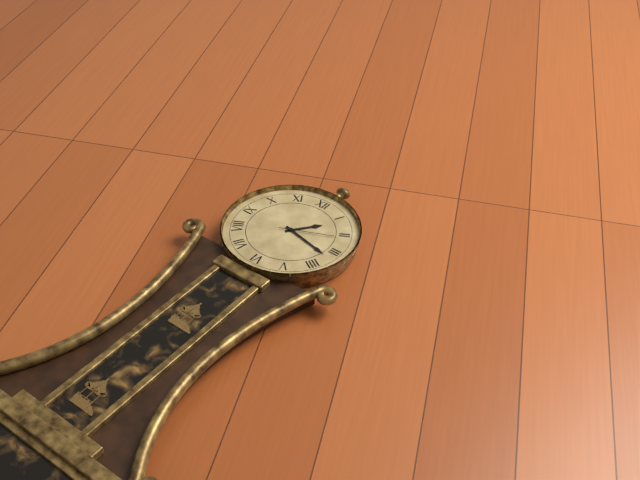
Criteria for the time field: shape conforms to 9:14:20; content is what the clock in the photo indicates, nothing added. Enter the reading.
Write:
1:17:11
